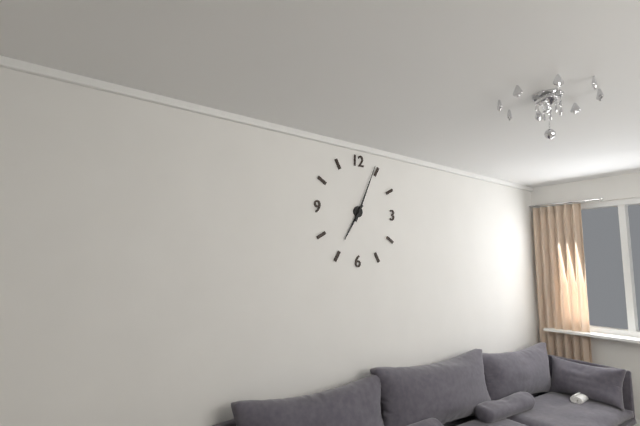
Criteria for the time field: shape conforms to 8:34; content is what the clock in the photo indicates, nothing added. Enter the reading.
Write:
7:04
